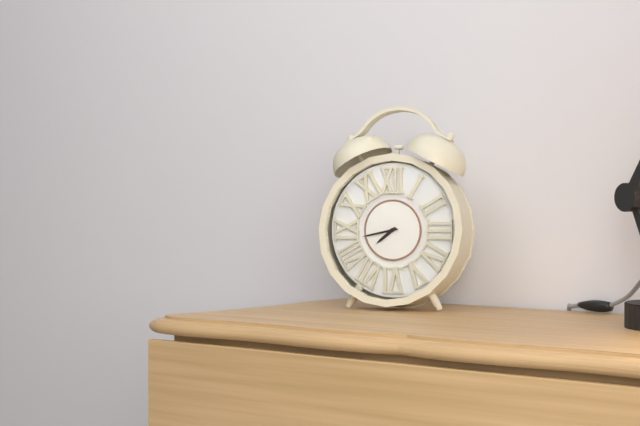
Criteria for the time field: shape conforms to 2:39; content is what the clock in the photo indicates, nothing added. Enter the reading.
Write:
7:43
